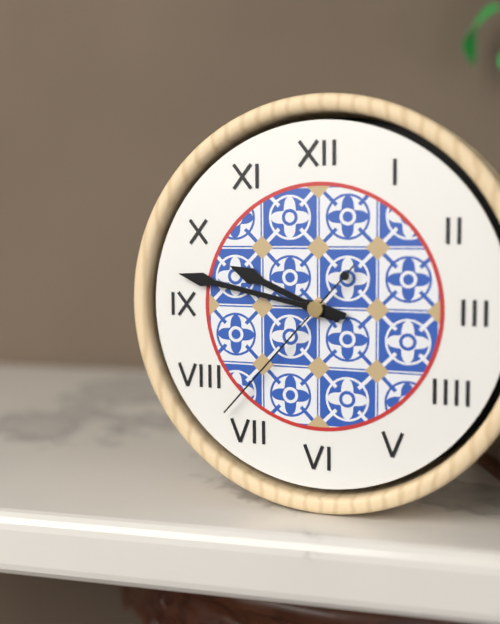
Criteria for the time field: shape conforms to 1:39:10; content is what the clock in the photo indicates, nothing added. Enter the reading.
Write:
9:47:37
